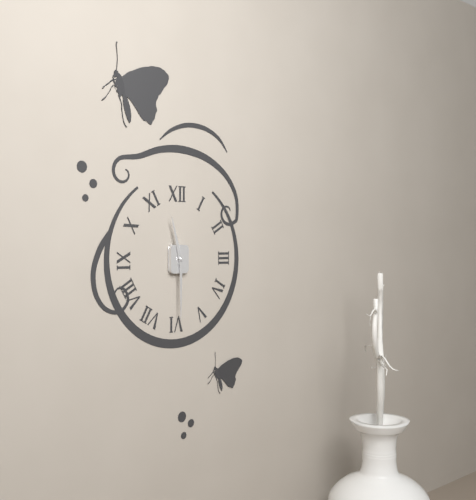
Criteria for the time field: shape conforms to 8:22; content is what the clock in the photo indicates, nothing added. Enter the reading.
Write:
11:30
